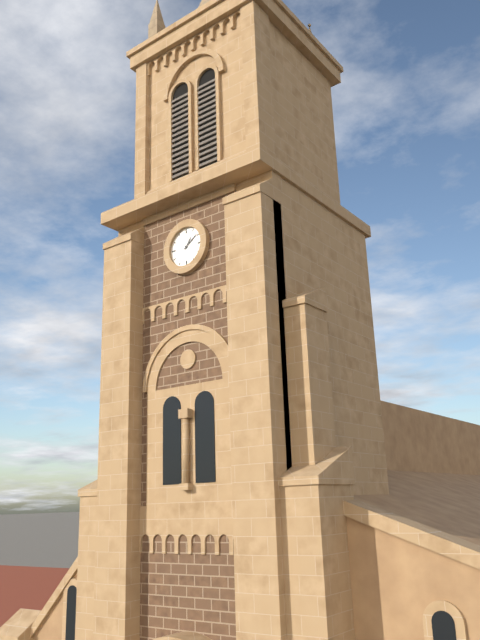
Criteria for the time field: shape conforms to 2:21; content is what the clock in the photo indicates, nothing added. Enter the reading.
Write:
1:09
